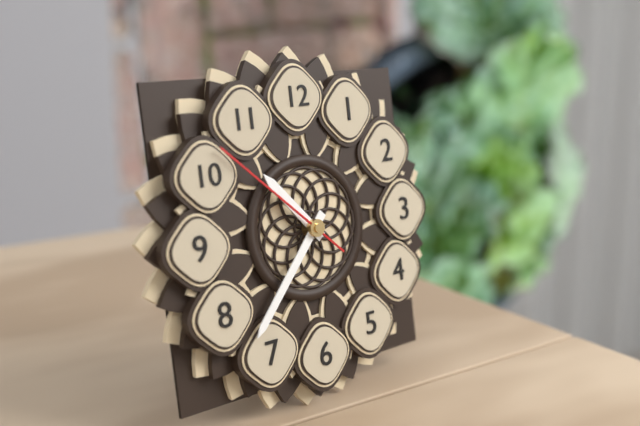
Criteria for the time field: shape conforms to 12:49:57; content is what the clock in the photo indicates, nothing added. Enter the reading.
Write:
10:37:52
